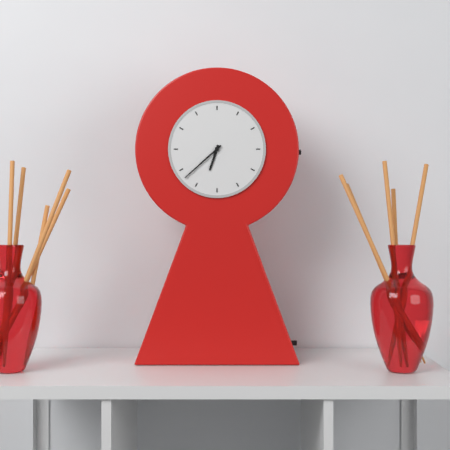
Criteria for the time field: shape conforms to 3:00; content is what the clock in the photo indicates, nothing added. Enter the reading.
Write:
6:38
